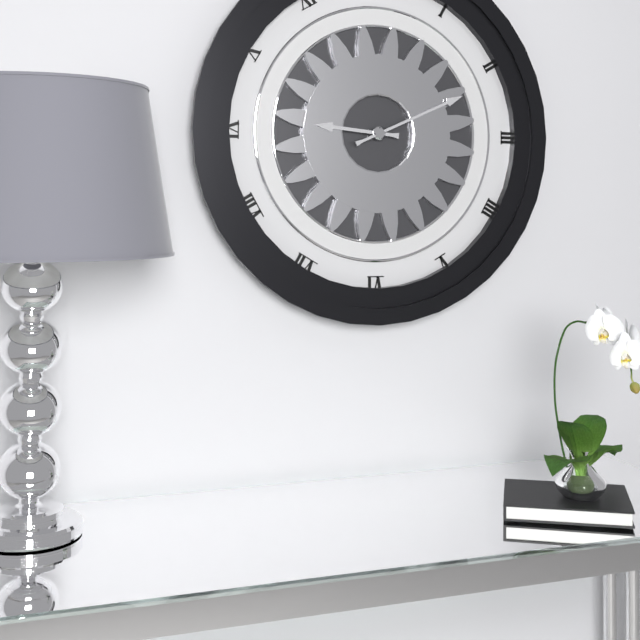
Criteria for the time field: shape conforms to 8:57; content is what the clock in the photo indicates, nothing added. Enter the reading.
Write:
9:11
